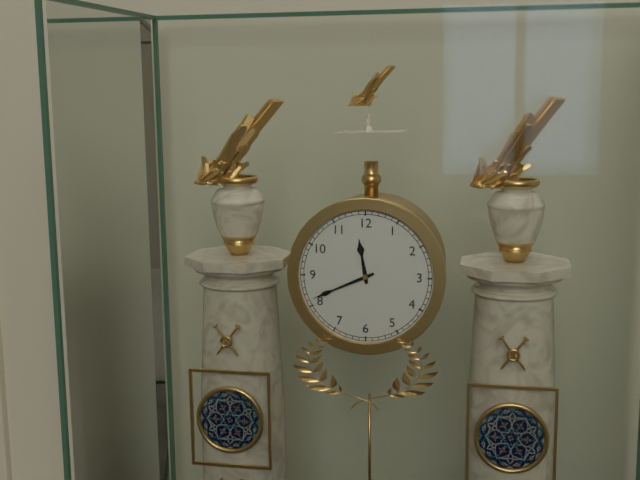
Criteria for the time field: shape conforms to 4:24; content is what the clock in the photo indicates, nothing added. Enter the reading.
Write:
11:41
